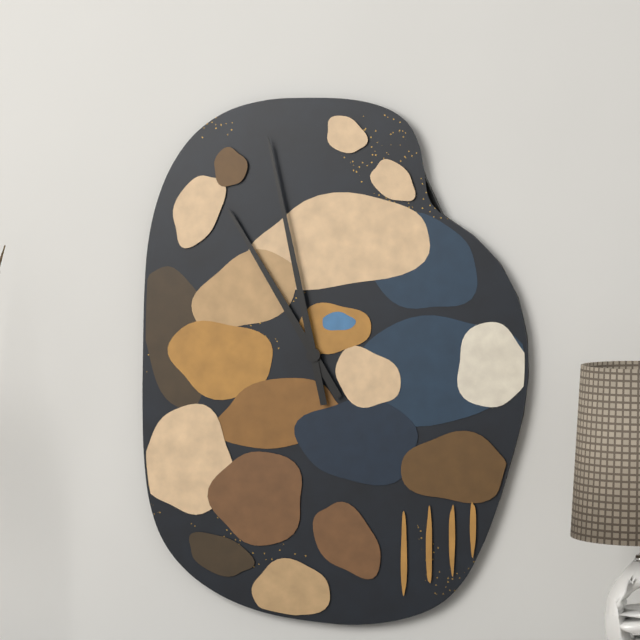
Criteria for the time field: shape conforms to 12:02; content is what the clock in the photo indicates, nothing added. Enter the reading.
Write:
10:58
